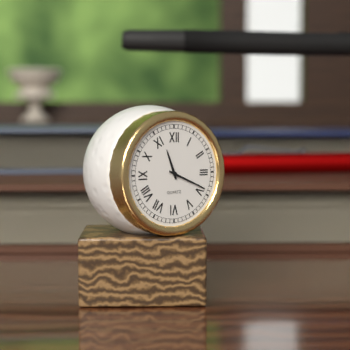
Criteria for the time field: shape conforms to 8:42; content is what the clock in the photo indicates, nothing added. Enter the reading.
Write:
11:19
